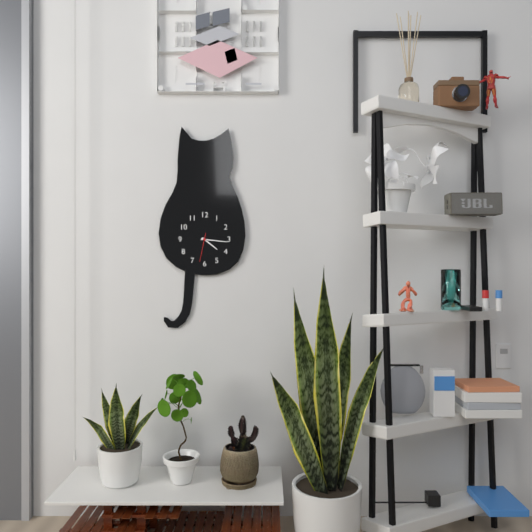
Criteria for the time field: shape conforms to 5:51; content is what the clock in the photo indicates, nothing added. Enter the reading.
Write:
4:16
